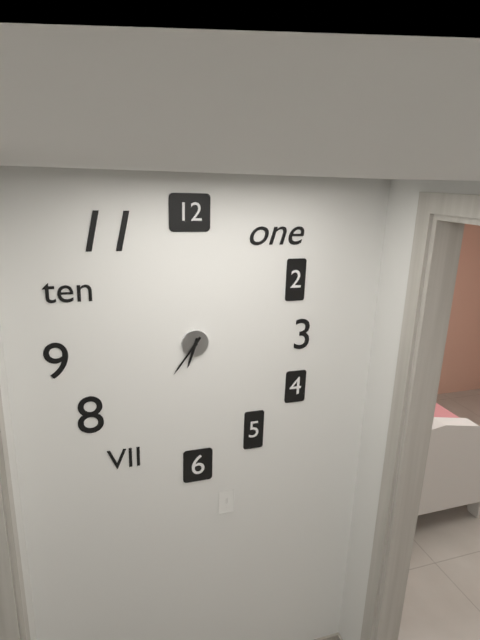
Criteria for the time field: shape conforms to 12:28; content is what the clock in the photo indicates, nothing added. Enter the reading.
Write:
6:36
